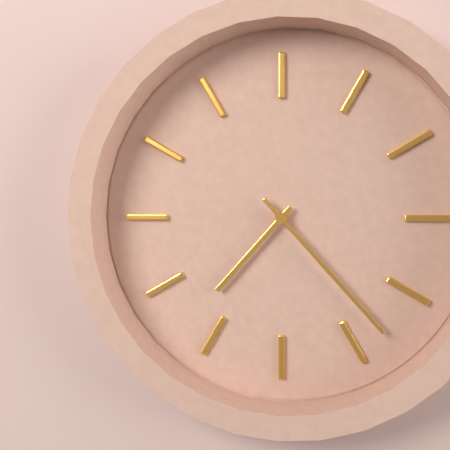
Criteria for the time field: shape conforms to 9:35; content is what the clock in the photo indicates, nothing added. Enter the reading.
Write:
7:23
